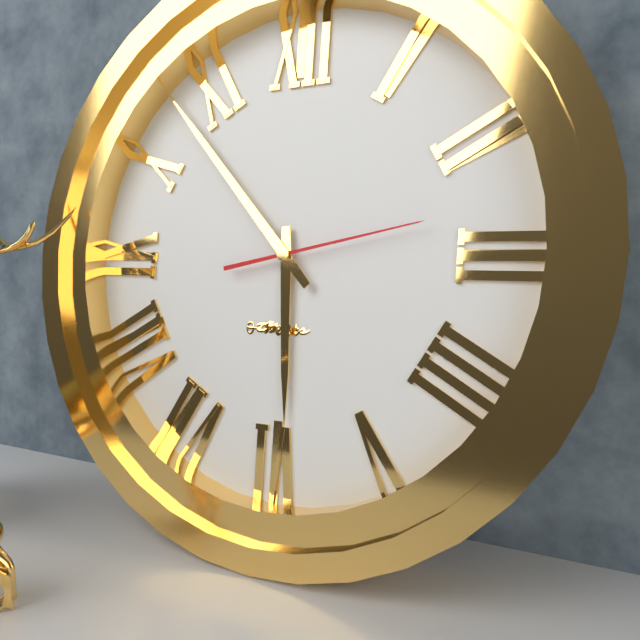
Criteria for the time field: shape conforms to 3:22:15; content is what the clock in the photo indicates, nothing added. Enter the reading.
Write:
5:53:13
